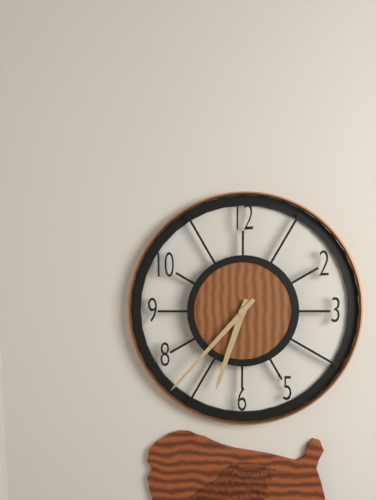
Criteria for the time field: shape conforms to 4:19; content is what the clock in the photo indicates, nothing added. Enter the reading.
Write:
6:37
